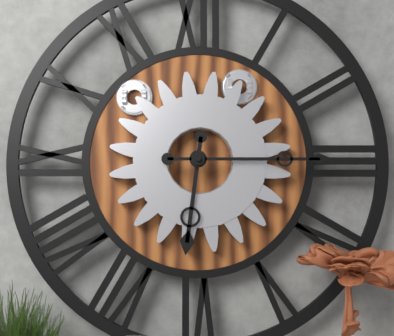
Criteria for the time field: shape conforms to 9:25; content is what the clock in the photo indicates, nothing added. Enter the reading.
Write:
6:15
